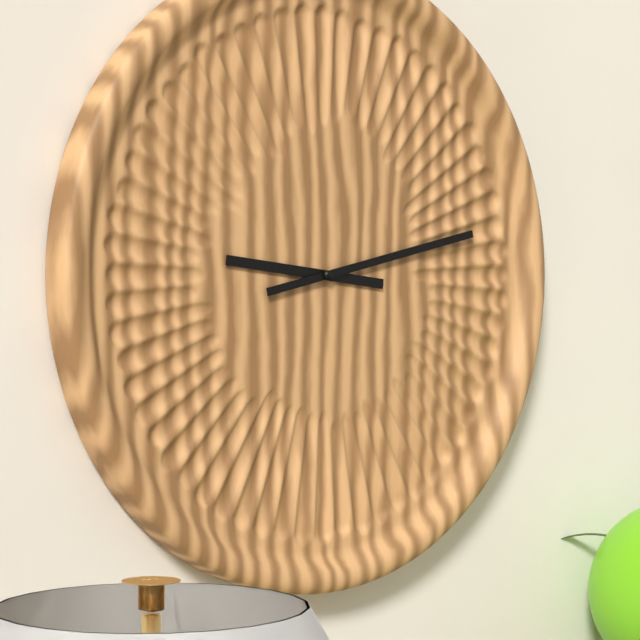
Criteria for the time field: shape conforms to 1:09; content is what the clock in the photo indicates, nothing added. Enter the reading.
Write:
9:13
